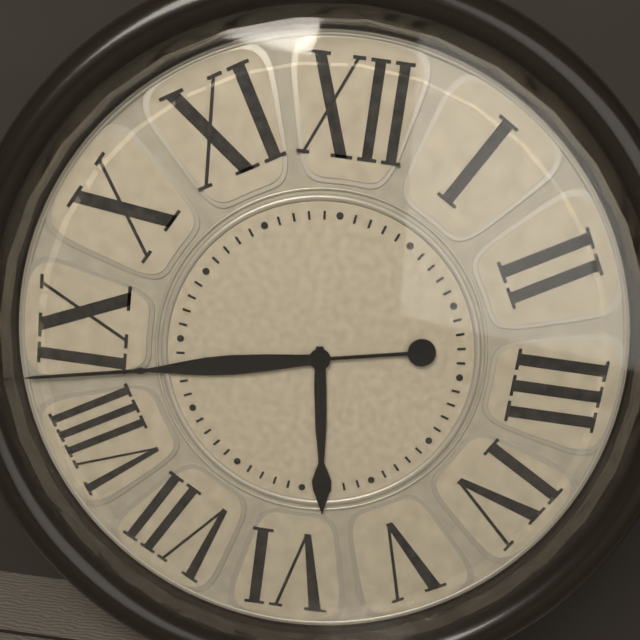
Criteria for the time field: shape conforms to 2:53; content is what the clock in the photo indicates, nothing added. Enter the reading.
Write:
5:43
